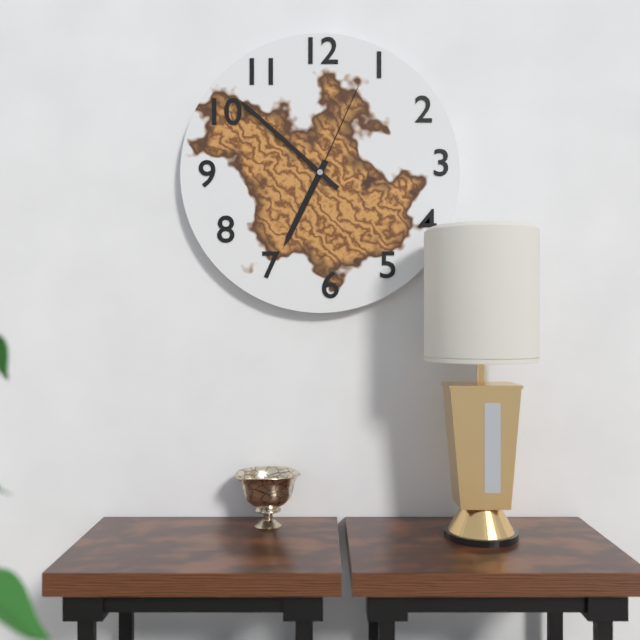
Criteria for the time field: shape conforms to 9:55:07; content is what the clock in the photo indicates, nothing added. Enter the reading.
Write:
6:52:04
